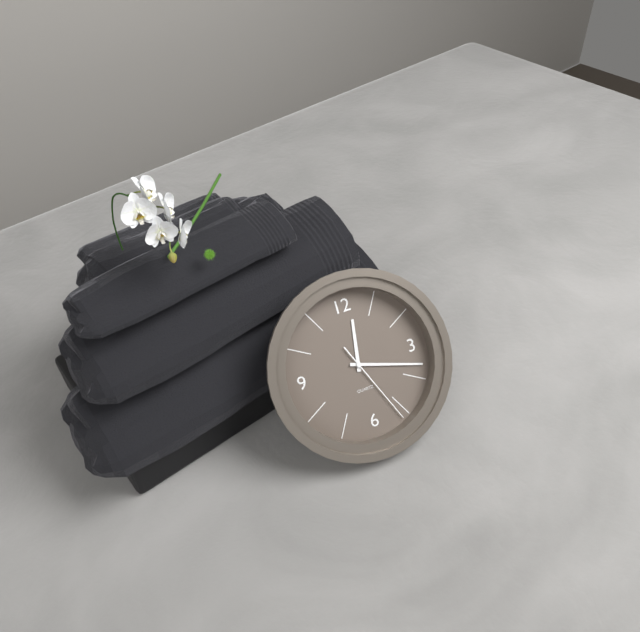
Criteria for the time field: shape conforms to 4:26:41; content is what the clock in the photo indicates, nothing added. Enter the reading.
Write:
12:18:26
